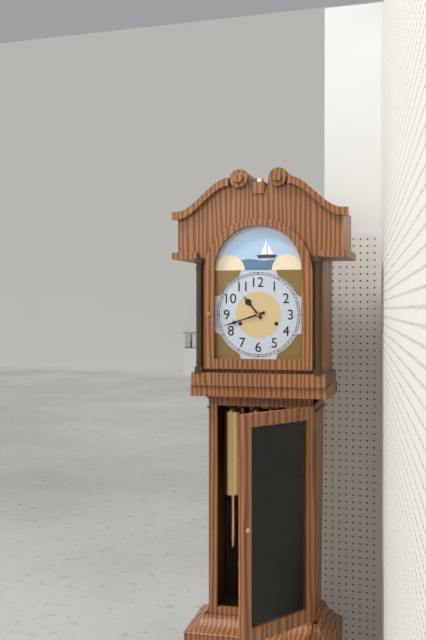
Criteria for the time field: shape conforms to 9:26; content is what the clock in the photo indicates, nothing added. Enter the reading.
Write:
10:42
